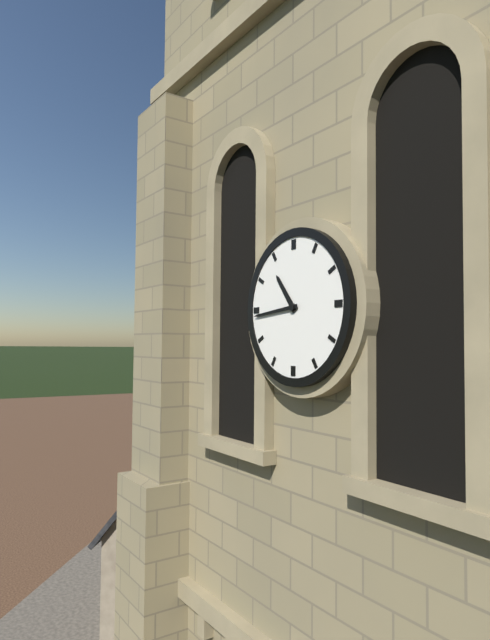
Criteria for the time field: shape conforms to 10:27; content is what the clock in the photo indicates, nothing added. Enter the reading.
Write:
10:44
